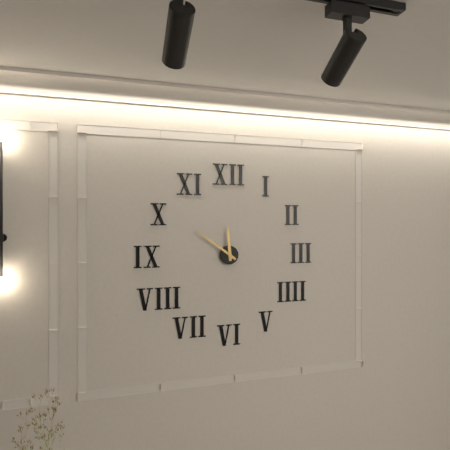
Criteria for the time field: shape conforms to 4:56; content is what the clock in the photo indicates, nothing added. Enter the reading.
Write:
11:51
